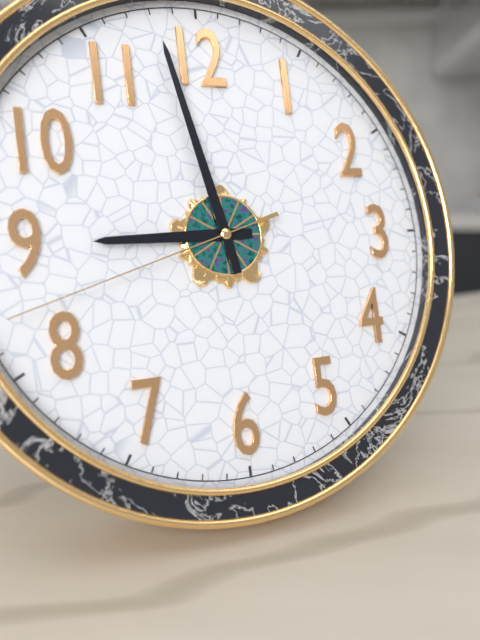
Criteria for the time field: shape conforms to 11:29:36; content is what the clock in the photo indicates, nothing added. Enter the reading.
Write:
8:58:42
